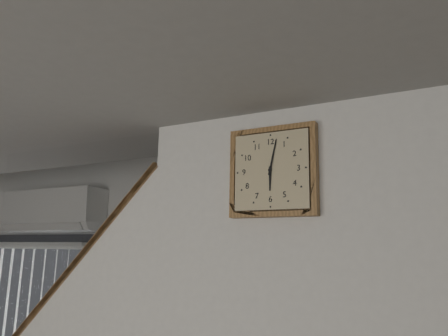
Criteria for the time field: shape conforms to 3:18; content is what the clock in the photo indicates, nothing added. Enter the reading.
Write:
6:02
